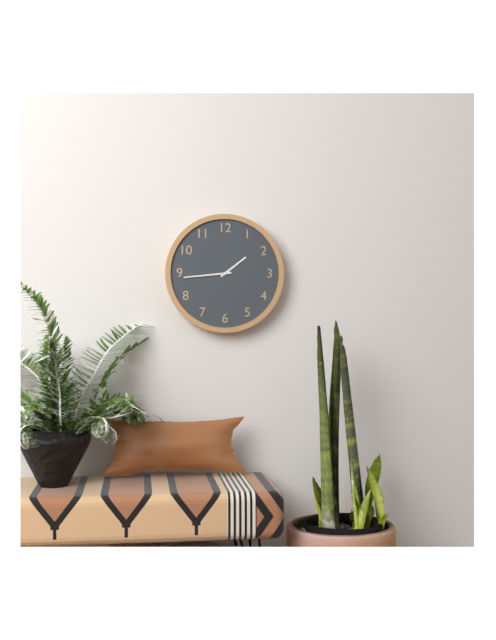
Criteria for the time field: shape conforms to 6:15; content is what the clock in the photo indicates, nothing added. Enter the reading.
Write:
1:44
